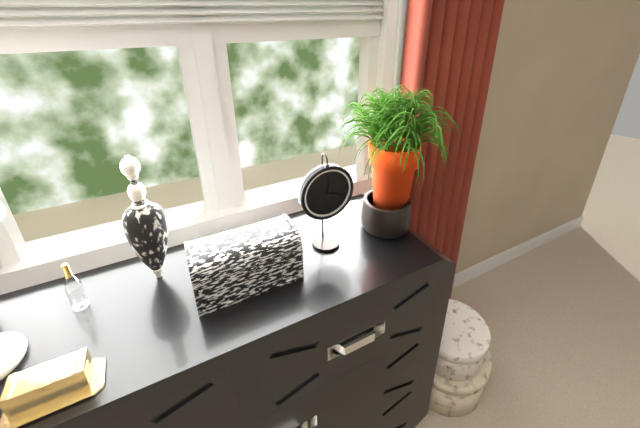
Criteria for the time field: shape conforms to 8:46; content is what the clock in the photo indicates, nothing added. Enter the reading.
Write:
12:19
